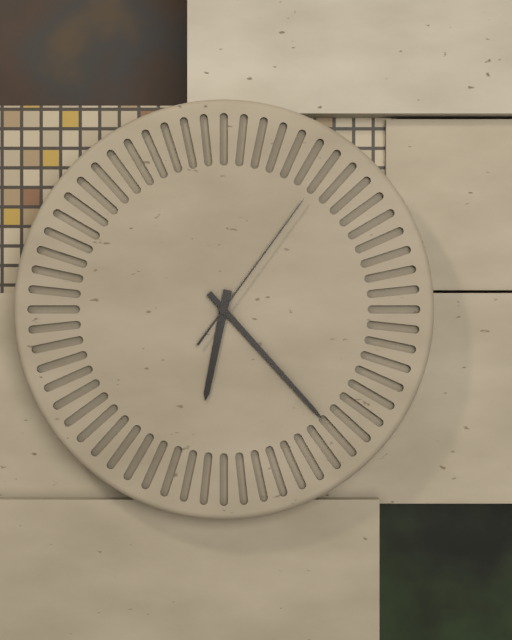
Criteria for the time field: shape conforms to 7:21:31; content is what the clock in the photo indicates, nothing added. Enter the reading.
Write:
6:23:06
